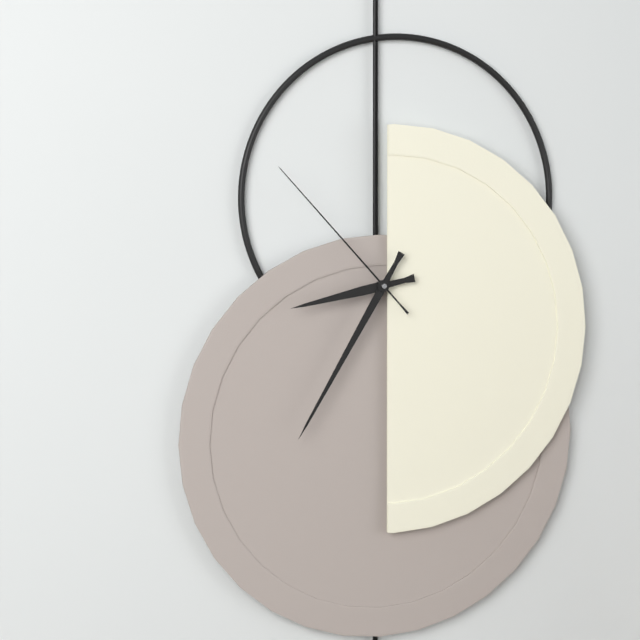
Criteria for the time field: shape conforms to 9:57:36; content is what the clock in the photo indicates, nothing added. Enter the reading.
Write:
8:35:53
